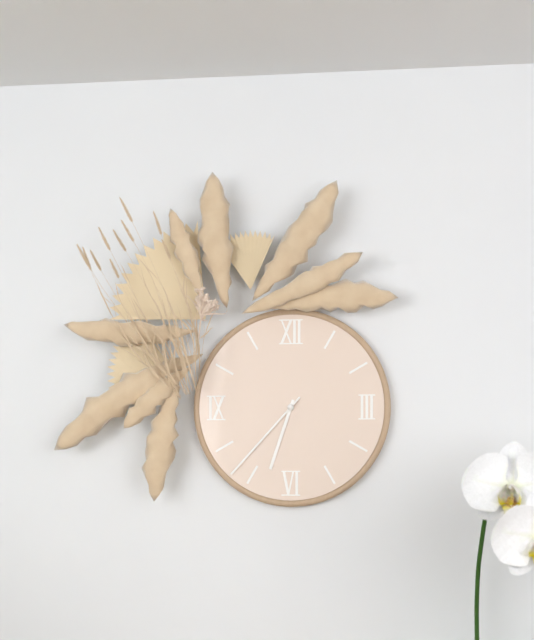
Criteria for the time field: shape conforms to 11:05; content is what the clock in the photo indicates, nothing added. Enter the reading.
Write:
6:37
